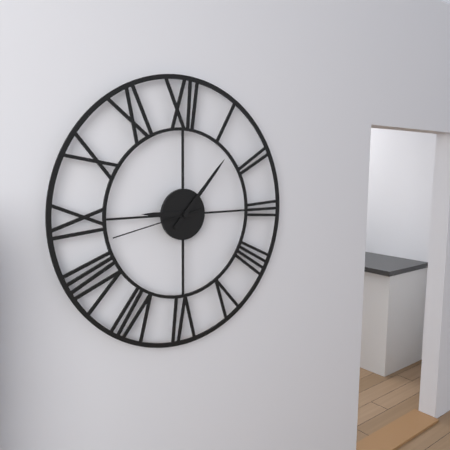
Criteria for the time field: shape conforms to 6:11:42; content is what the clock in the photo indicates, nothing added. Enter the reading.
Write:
9:07:43
